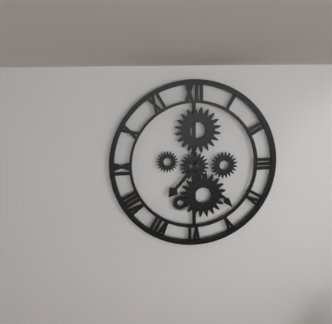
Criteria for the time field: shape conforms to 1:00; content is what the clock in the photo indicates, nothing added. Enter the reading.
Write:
7:23
